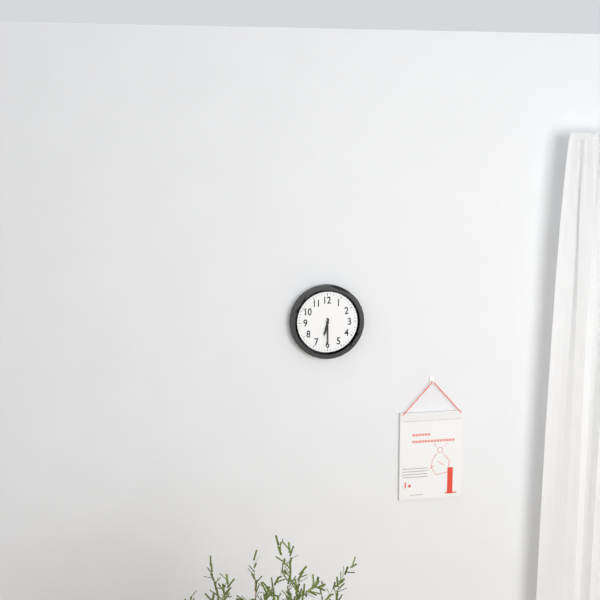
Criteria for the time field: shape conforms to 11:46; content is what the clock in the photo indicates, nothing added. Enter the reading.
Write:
6:30
